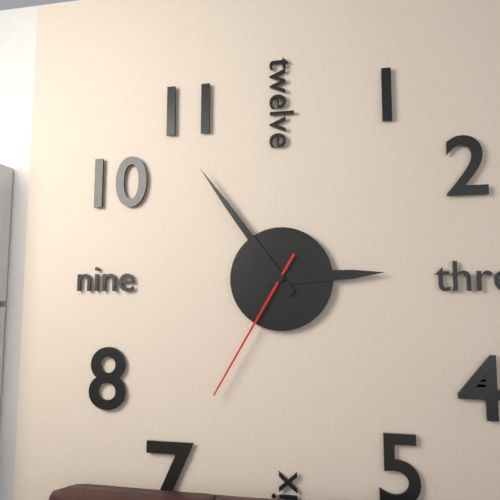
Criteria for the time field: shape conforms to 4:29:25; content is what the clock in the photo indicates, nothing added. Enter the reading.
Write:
2:54:35
